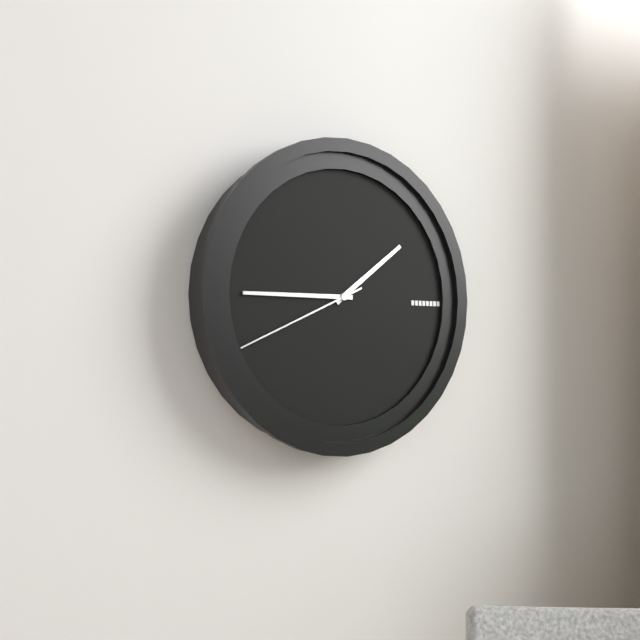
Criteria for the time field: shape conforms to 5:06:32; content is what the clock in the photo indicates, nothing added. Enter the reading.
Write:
1:45:41
